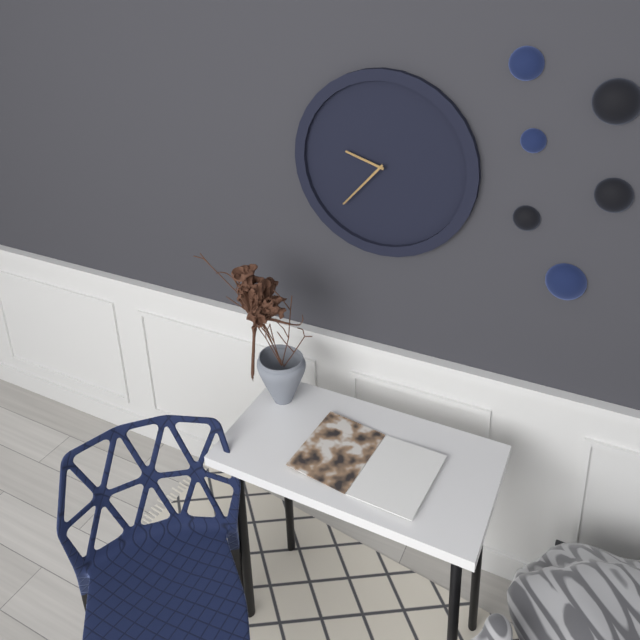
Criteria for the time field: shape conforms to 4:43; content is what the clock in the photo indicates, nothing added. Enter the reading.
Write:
9:37
